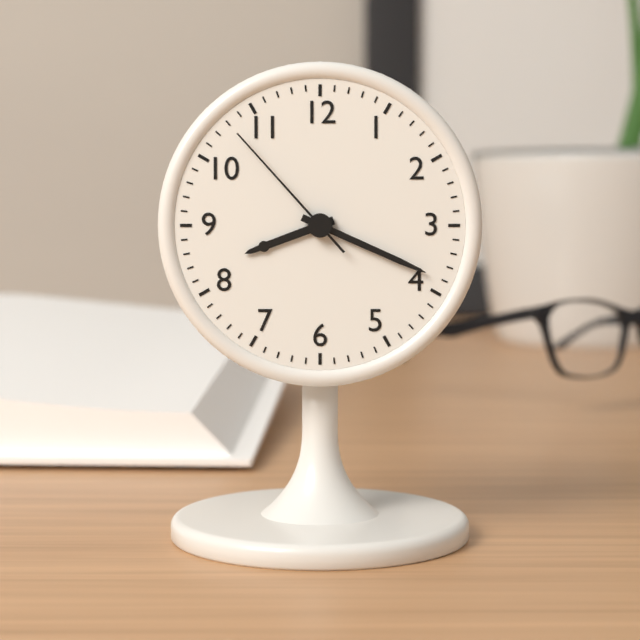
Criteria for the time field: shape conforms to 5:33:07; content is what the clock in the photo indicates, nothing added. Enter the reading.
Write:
8:19:53
